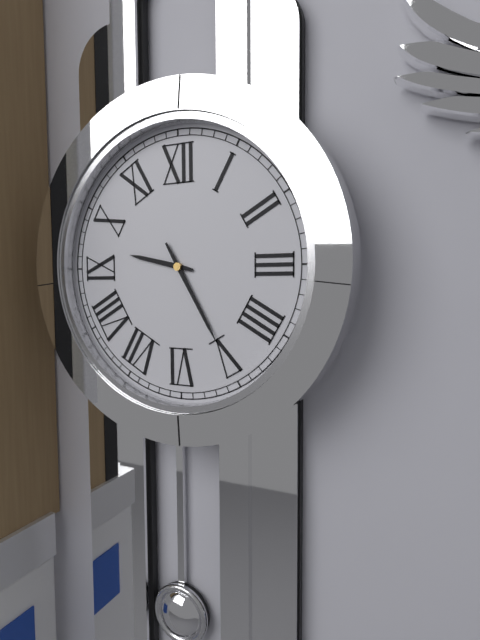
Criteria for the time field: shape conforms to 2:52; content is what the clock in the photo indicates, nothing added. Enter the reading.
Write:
9:25
